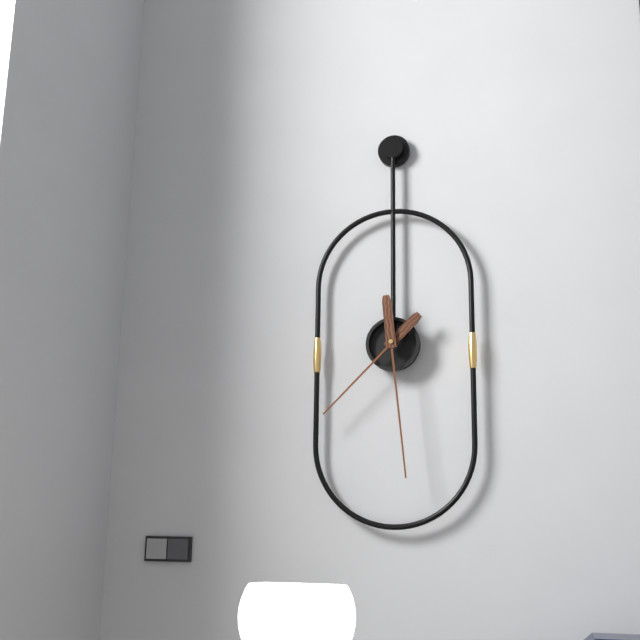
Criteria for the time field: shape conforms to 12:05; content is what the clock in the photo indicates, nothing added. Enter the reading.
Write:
7:29
